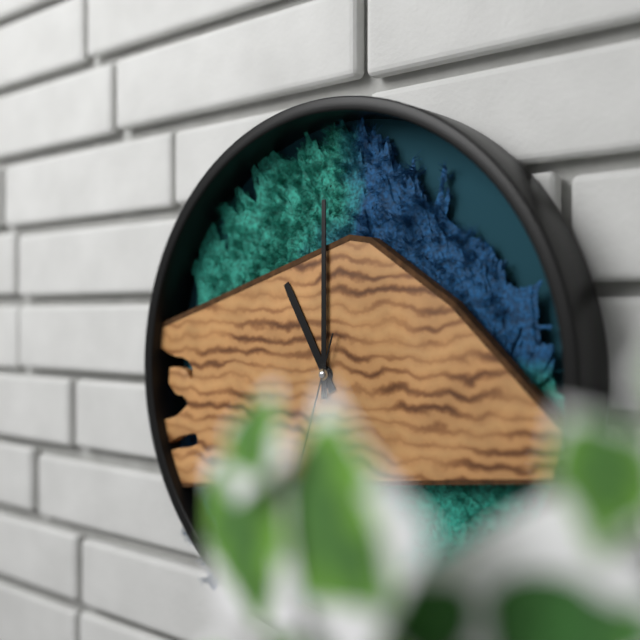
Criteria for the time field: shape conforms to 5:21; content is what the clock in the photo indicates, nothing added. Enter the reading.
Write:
11:00
